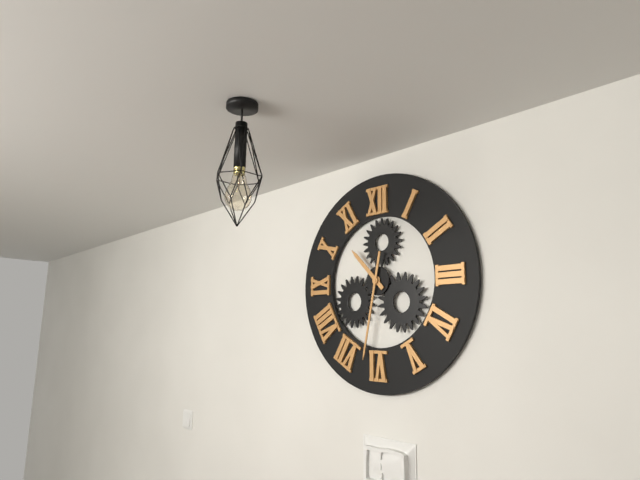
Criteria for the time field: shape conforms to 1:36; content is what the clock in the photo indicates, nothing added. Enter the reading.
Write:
10:32
